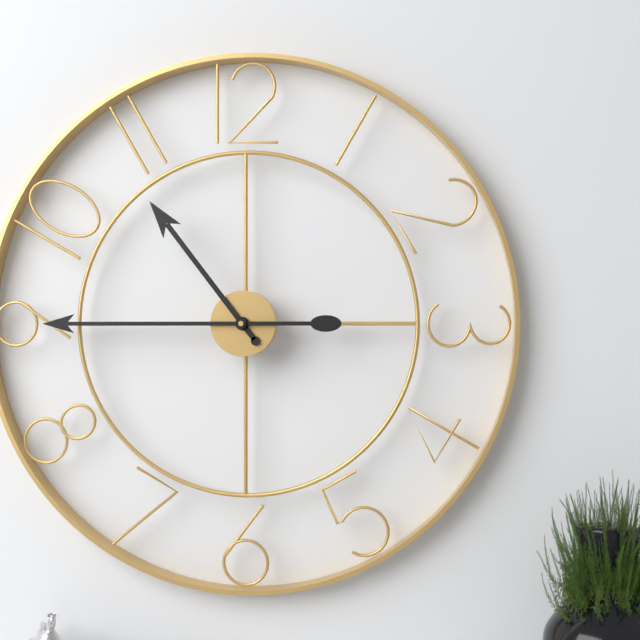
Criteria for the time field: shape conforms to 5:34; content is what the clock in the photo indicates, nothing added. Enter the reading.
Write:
10:45
